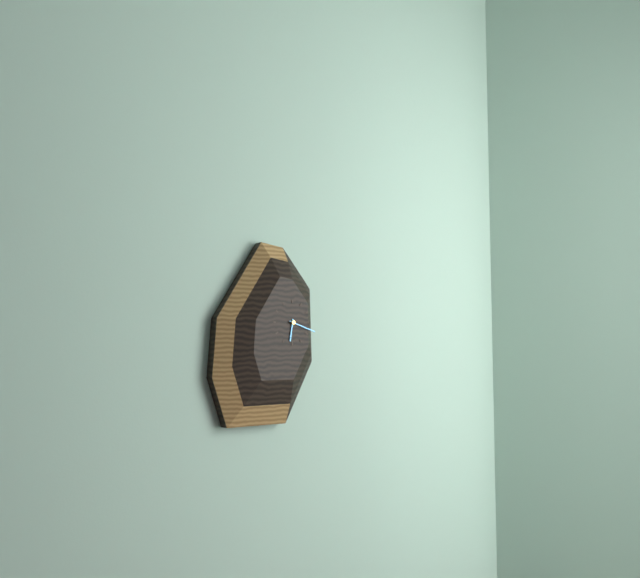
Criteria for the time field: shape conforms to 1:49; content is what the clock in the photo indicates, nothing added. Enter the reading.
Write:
6:18
